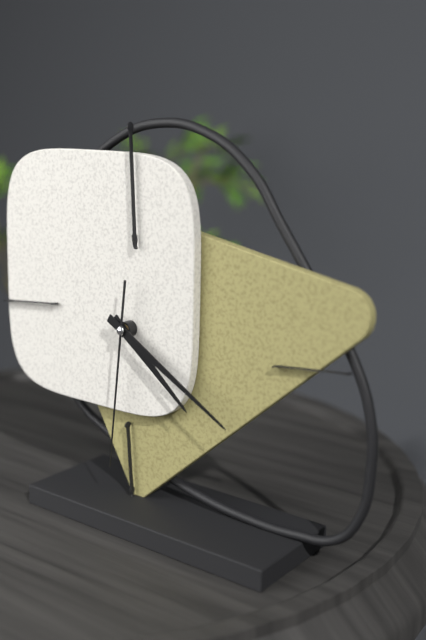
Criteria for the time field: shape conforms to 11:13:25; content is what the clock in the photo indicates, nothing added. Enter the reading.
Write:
4:20:31
